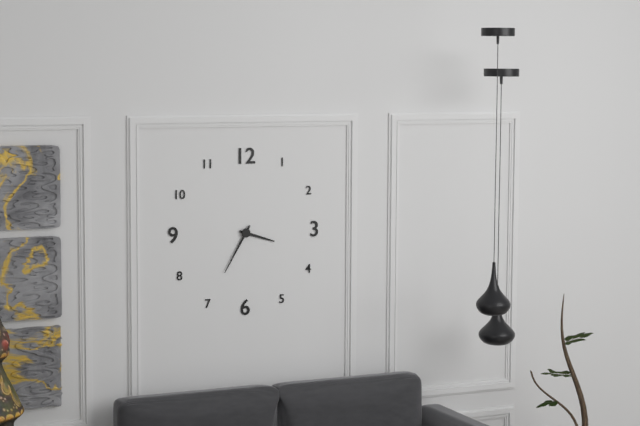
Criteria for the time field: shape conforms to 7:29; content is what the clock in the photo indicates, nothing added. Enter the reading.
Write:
3:35
